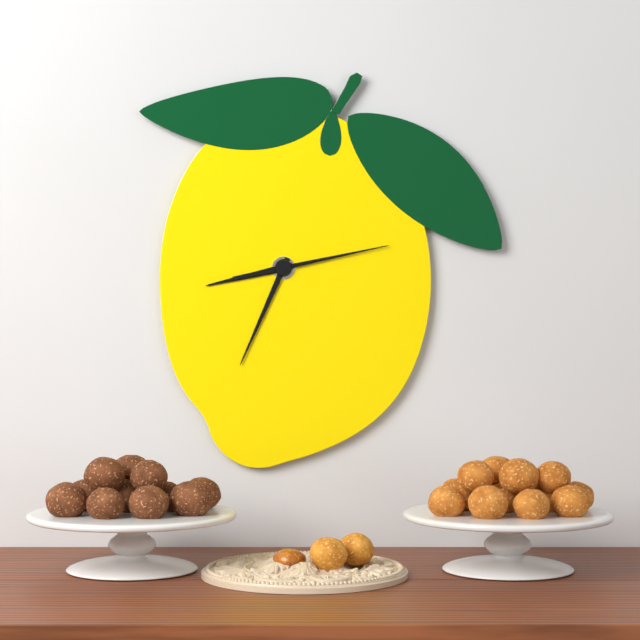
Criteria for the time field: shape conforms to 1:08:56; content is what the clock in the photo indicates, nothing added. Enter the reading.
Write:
8:34:13
